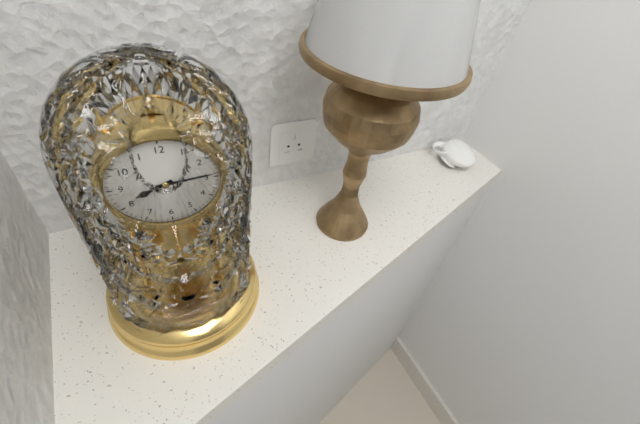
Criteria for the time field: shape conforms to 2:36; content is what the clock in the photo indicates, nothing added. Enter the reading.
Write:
8:14
